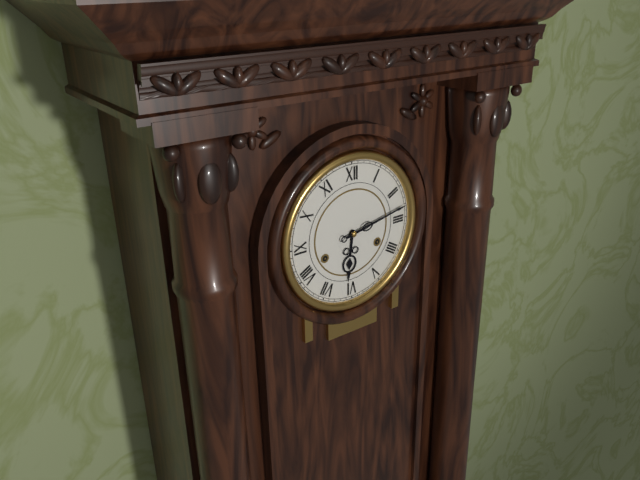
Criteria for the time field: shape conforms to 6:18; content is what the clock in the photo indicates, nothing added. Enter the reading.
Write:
6:13
